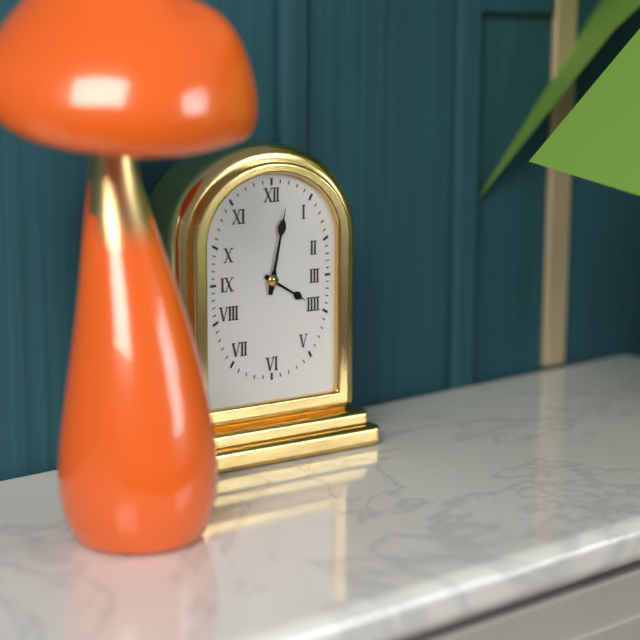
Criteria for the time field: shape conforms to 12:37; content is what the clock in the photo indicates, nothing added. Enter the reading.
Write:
4:02
